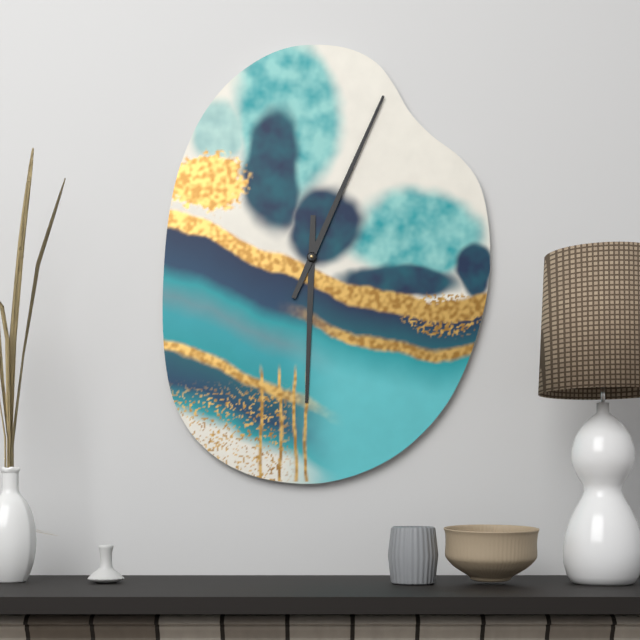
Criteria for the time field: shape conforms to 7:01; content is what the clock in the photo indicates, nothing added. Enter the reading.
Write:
6:04
